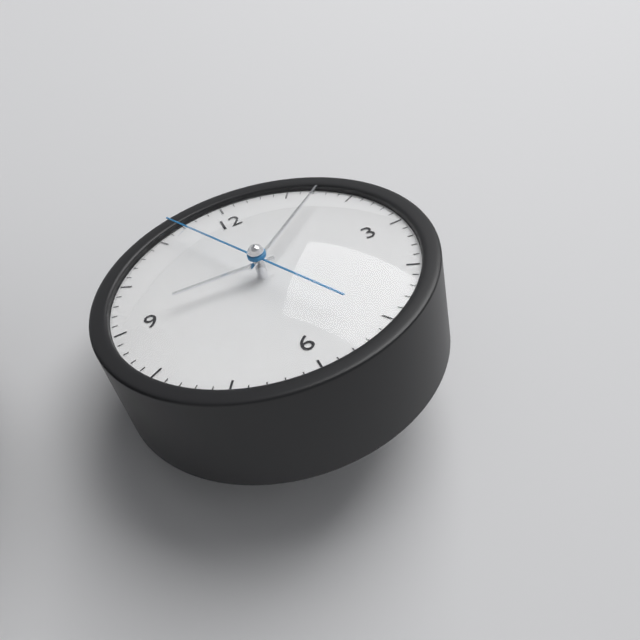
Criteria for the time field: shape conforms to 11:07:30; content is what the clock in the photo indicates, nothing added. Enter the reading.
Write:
9:08:56
